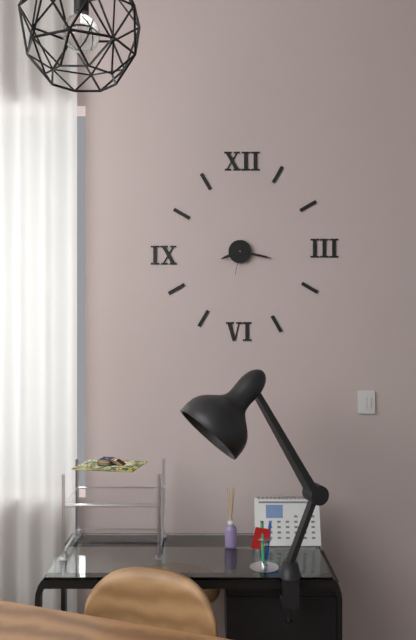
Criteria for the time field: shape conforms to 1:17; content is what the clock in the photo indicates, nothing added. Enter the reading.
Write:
8:17
